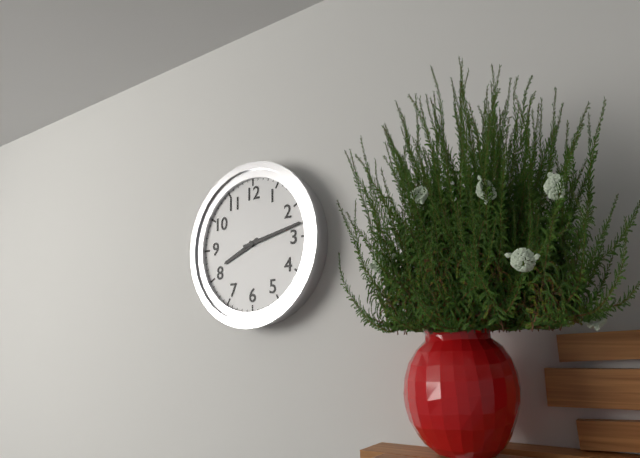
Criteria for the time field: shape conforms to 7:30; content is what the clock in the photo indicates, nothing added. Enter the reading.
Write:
8:13
